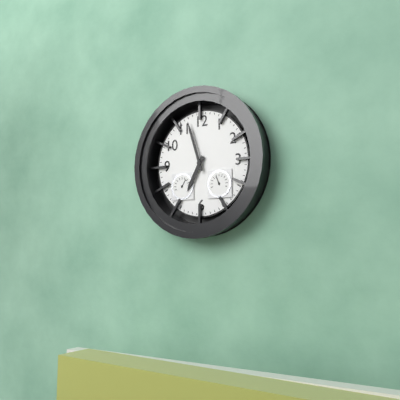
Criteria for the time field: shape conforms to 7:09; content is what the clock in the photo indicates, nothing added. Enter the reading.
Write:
6:57
